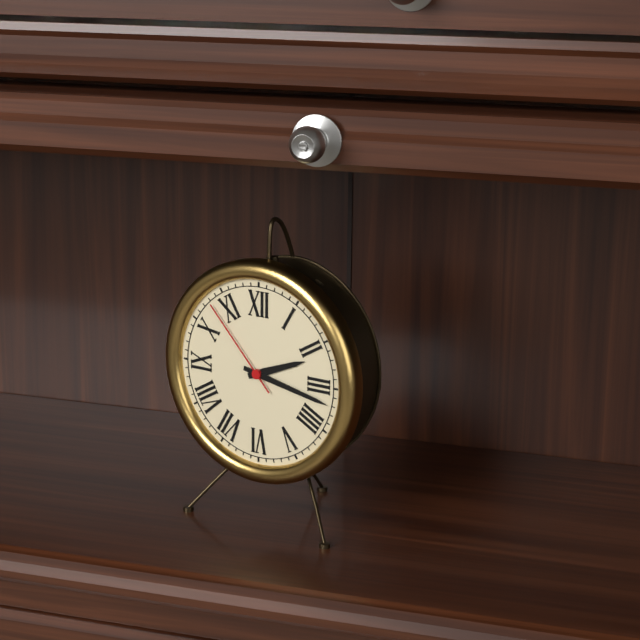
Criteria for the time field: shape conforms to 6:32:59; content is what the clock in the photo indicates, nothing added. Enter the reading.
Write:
2:17:53
